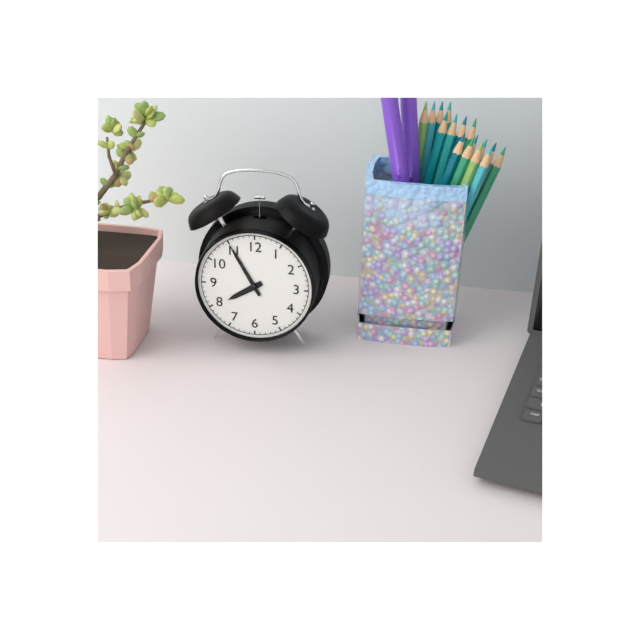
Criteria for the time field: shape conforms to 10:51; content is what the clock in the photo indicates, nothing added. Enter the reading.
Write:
7:55
